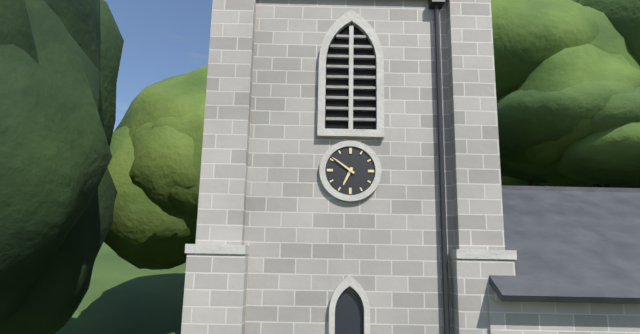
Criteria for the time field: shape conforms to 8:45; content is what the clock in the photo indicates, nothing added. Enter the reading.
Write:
6:51
